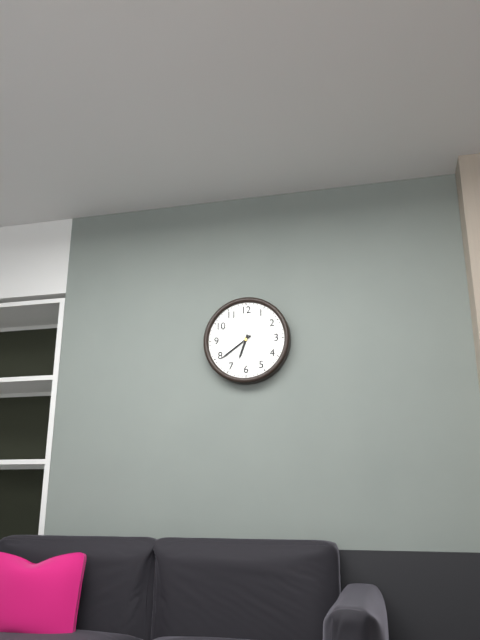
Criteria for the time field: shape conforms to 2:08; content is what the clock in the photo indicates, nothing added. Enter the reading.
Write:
6:39
